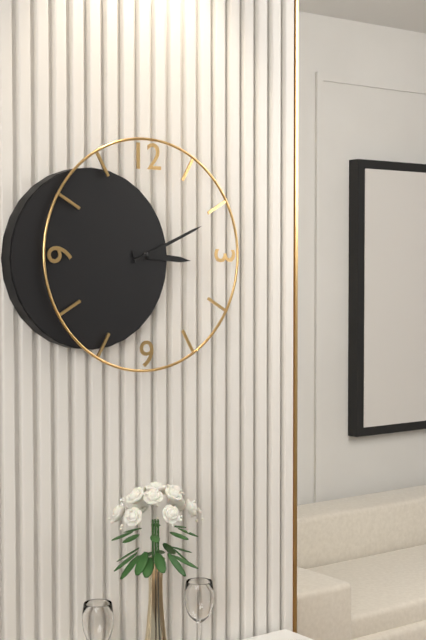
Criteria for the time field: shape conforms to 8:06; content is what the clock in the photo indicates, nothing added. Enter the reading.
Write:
3:11
